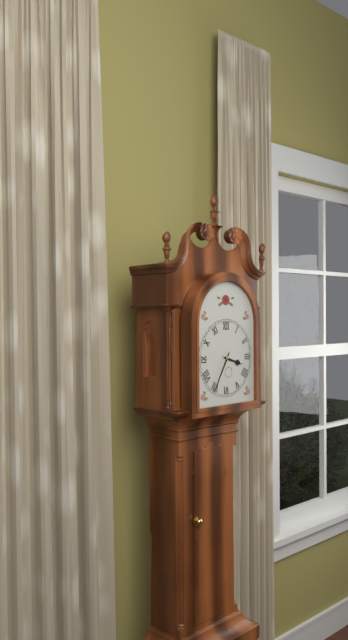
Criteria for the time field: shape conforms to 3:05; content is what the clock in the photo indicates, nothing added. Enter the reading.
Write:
3:35
